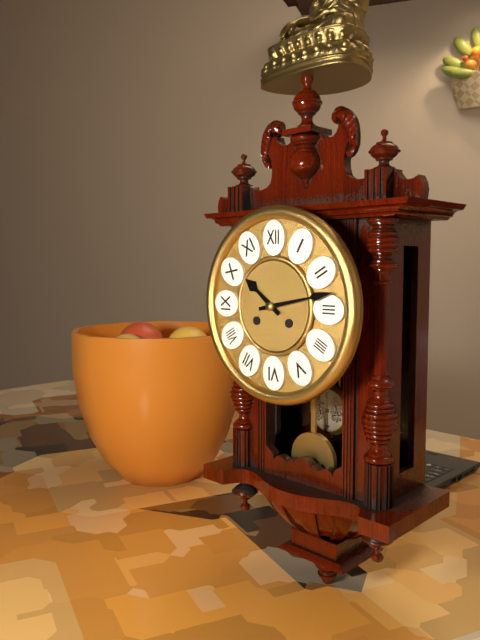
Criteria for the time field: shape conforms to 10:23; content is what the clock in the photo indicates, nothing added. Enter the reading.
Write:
10:13
